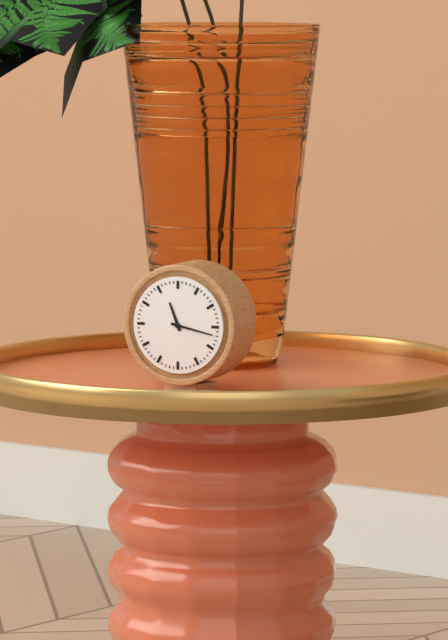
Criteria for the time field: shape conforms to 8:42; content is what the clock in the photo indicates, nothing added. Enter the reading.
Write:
11:17
